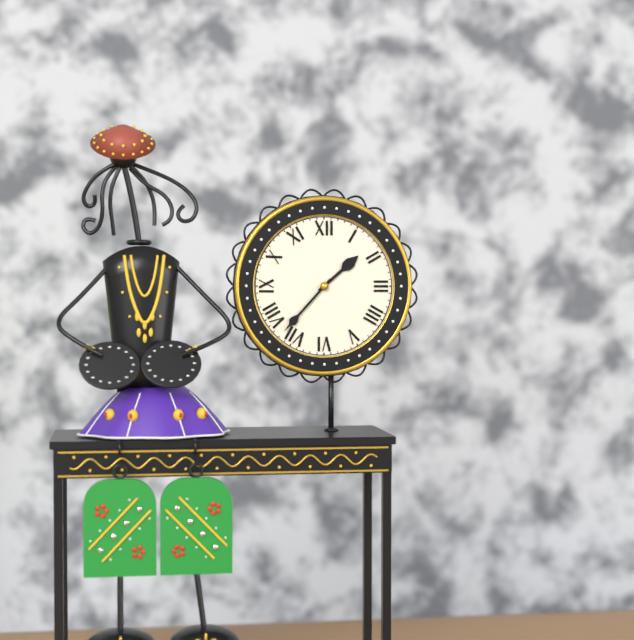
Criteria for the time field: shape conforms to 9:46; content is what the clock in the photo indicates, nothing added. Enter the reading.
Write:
1:37
